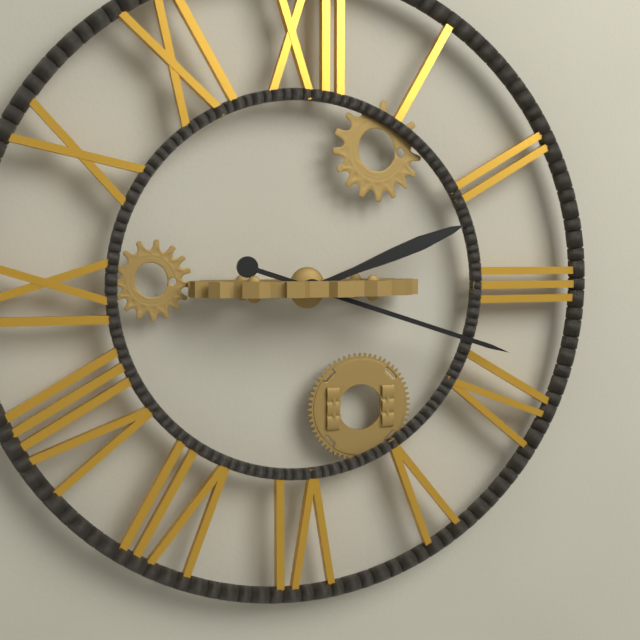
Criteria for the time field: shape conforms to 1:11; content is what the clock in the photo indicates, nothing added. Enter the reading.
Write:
2:18
